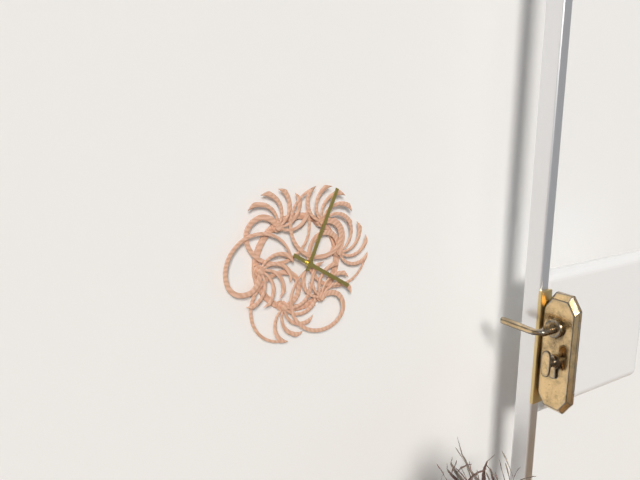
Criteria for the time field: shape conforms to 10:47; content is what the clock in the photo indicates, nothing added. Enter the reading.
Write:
4:04
